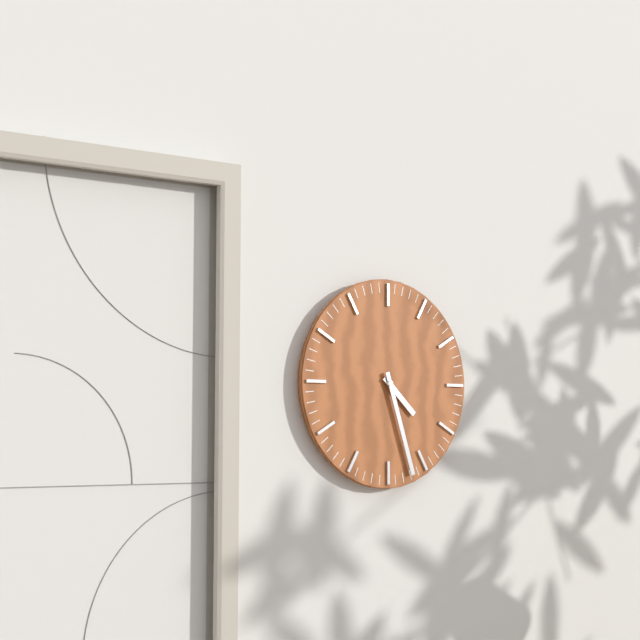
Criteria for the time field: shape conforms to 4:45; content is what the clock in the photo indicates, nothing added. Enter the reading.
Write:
4:27
